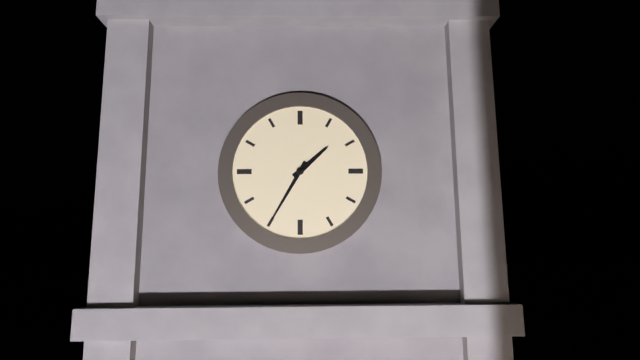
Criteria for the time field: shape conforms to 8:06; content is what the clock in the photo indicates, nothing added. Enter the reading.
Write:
1:35
